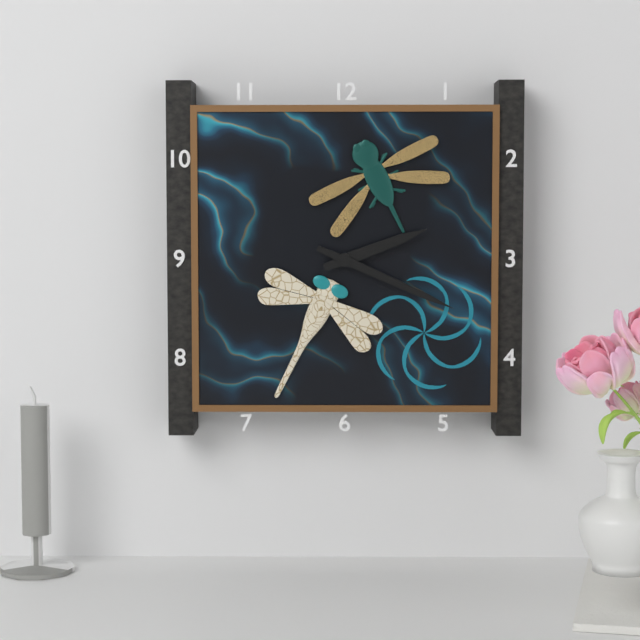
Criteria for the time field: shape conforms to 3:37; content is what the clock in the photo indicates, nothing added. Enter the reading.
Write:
2:19
